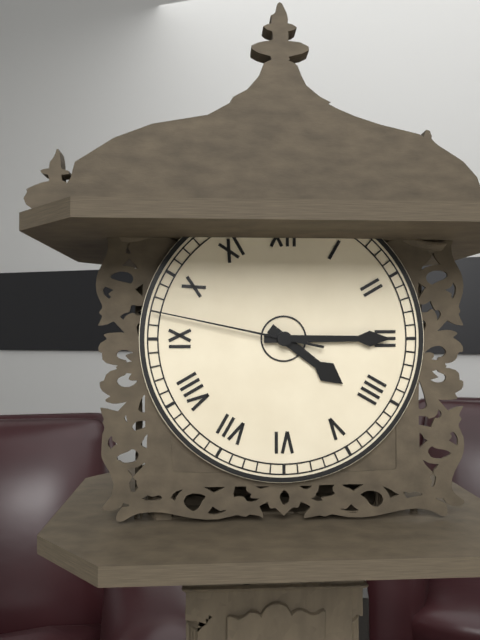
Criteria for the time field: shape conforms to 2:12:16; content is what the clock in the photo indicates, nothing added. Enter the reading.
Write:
4:15:47
